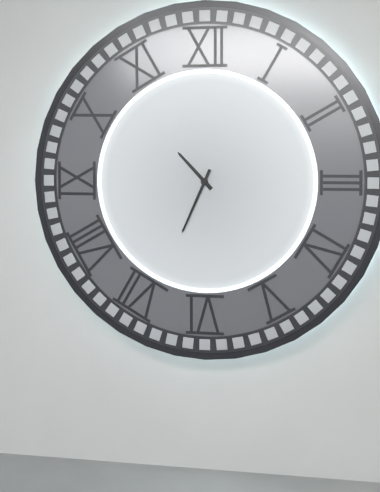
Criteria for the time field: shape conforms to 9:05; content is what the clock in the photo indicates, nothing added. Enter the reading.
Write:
10:34
